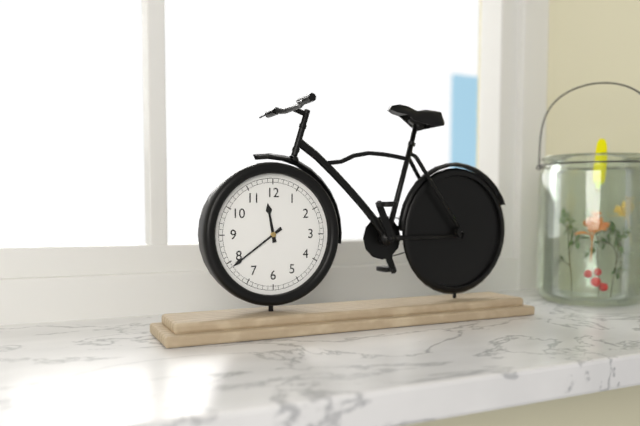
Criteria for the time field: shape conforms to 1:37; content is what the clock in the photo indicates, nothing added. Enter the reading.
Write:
11:39
